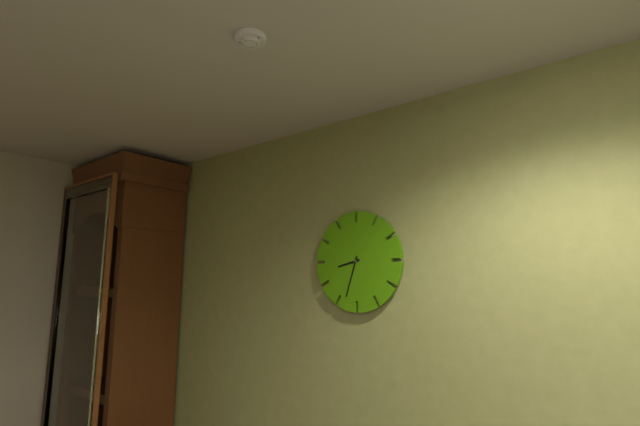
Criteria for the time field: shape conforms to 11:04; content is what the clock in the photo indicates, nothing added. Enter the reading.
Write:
8:33
